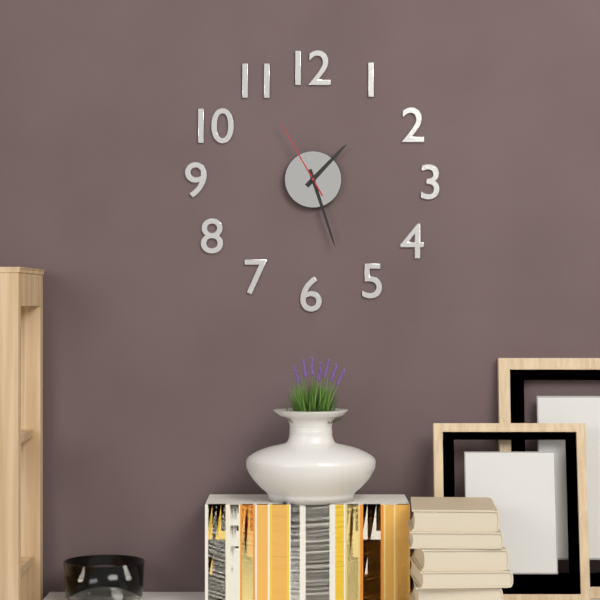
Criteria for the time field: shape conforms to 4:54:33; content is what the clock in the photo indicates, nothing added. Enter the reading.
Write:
1:27:55
